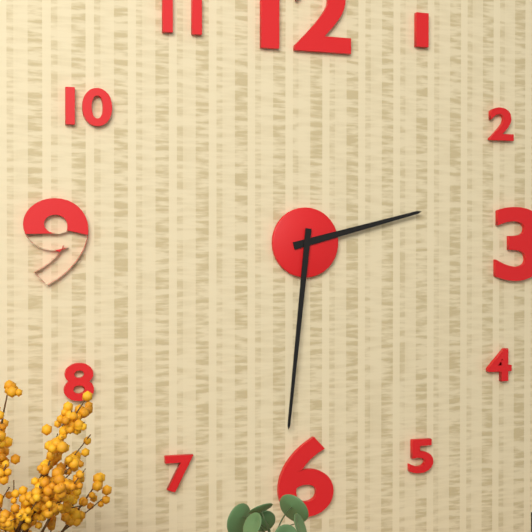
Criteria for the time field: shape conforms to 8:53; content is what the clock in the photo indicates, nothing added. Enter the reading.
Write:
2:31
